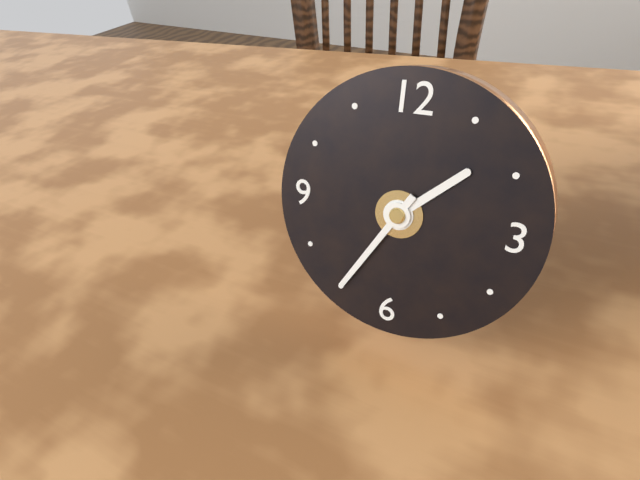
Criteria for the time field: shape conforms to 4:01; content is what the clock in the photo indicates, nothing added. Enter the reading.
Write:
1:35
